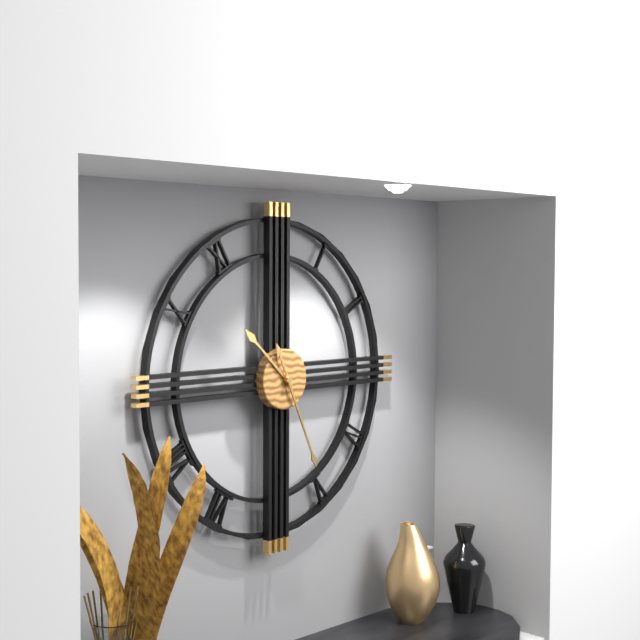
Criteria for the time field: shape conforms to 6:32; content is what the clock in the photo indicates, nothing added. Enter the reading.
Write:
10:26
